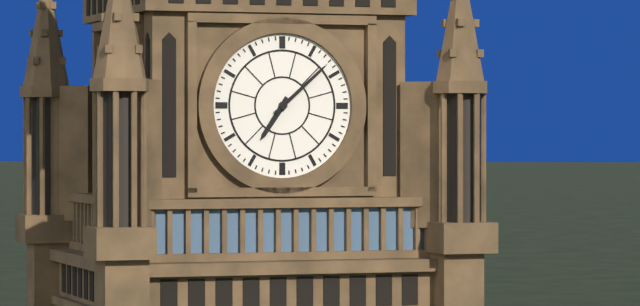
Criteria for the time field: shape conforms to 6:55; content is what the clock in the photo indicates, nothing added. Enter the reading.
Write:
7:08
